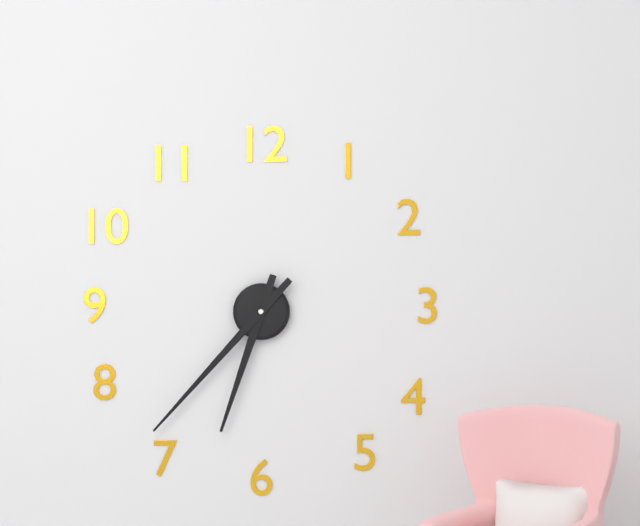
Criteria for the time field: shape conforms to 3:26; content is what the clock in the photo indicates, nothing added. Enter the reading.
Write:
6:37
